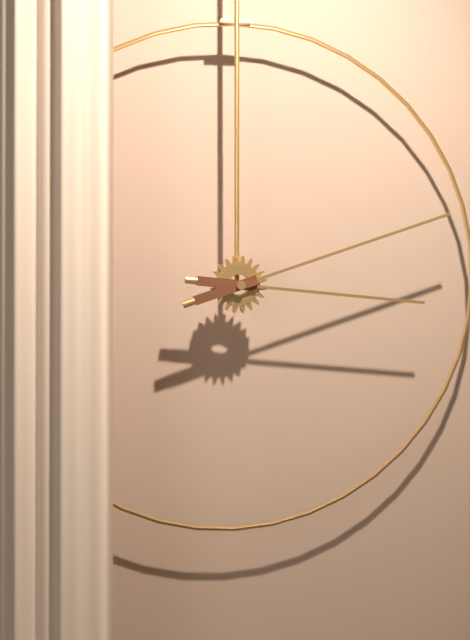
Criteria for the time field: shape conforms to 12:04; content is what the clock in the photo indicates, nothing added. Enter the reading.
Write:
3:12
